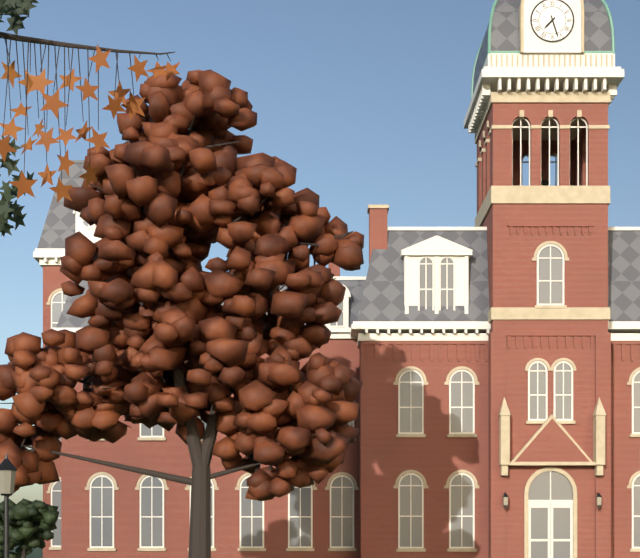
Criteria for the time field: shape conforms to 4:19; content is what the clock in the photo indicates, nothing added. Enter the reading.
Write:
7:27
